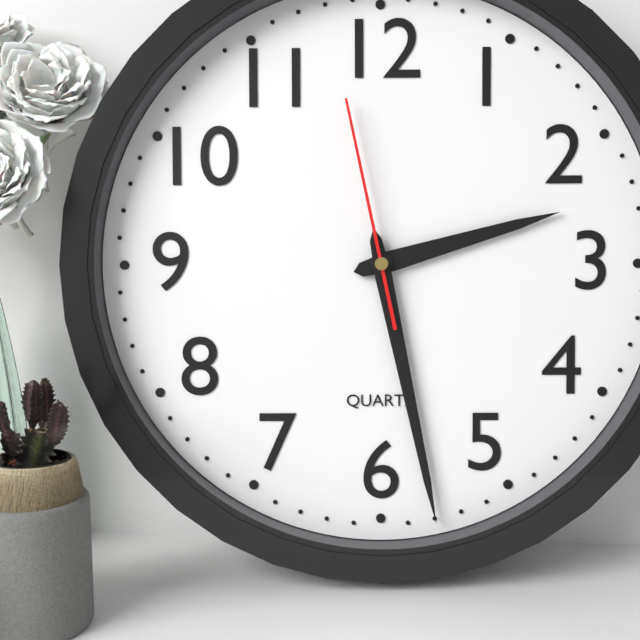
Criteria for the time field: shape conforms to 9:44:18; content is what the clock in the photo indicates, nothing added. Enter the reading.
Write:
2:28:58
